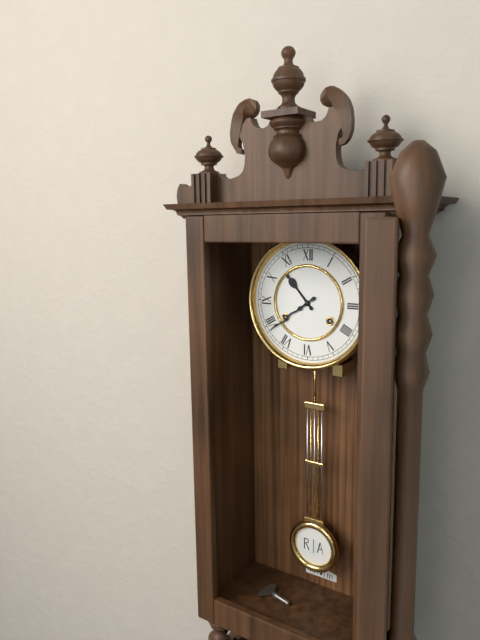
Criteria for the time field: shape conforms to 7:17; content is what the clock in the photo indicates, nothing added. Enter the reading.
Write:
10:39
